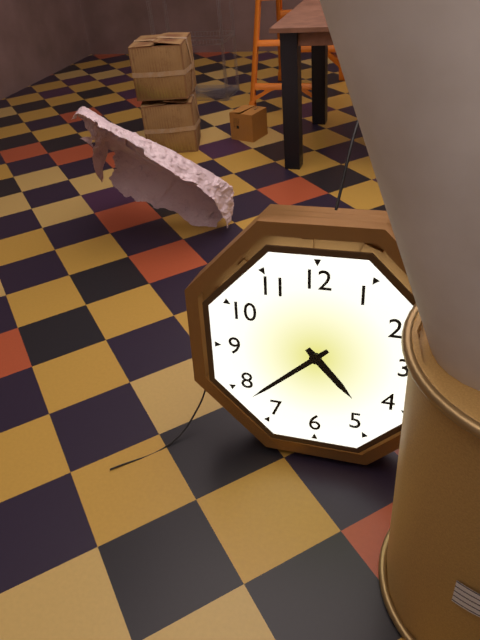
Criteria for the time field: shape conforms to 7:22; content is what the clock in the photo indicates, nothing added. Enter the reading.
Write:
4:38
